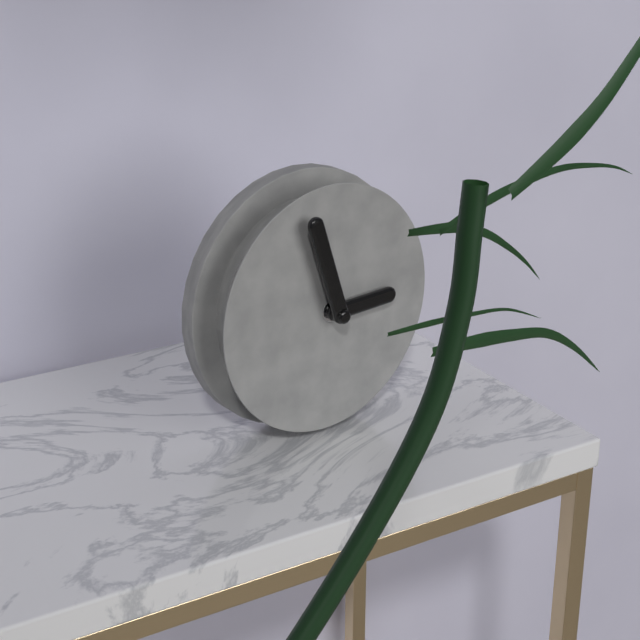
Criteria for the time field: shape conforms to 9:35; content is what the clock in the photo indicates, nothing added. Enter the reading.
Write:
2:57
